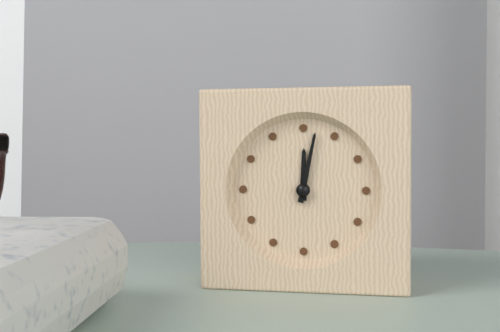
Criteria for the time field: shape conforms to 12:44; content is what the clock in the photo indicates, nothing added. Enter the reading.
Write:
12:02
